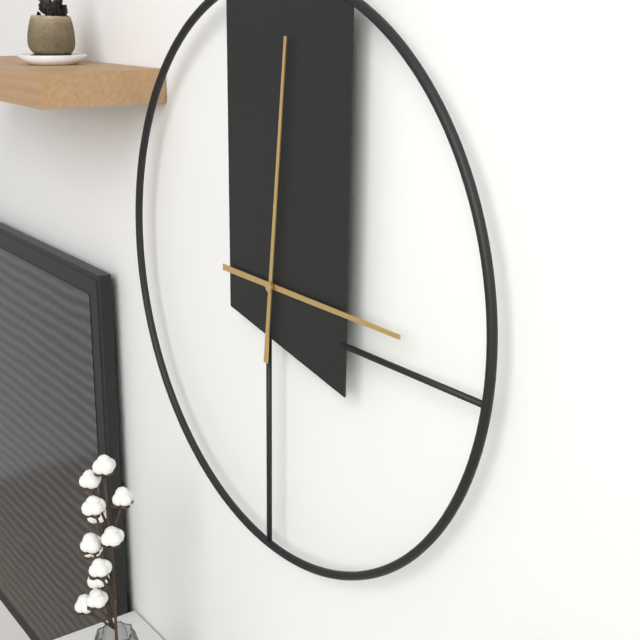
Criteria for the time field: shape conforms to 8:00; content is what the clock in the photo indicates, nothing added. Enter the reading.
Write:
3:01
